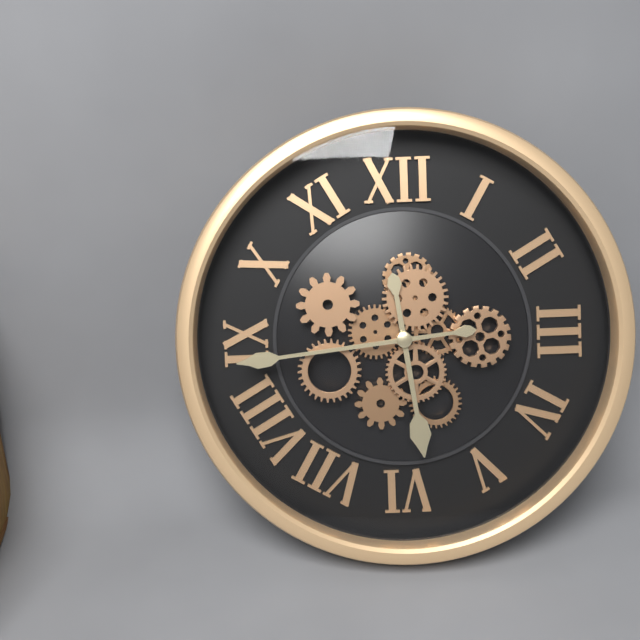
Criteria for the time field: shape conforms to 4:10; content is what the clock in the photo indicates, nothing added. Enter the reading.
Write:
5:44
